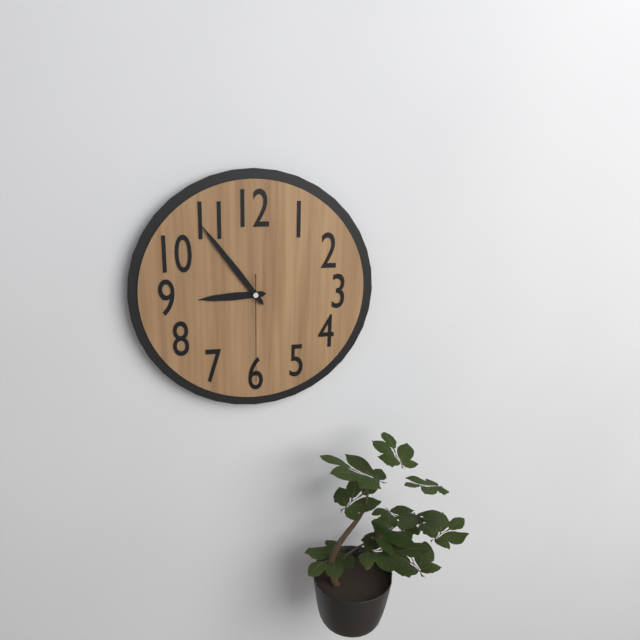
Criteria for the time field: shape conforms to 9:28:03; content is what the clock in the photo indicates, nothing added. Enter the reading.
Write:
8:54:30
